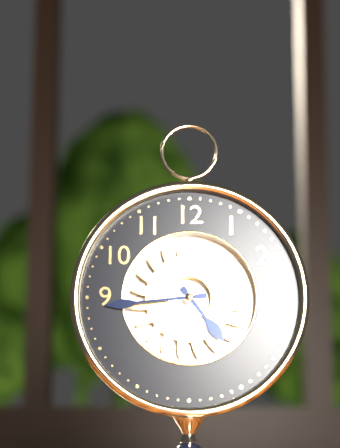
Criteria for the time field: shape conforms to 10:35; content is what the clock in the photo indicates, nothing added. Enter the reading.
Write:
4:44
